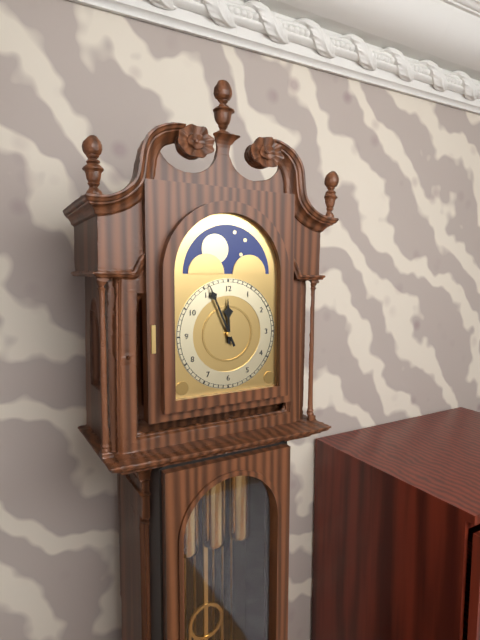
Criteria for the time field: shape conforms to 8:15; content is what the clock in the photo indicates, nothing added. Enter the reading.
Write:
11:56
